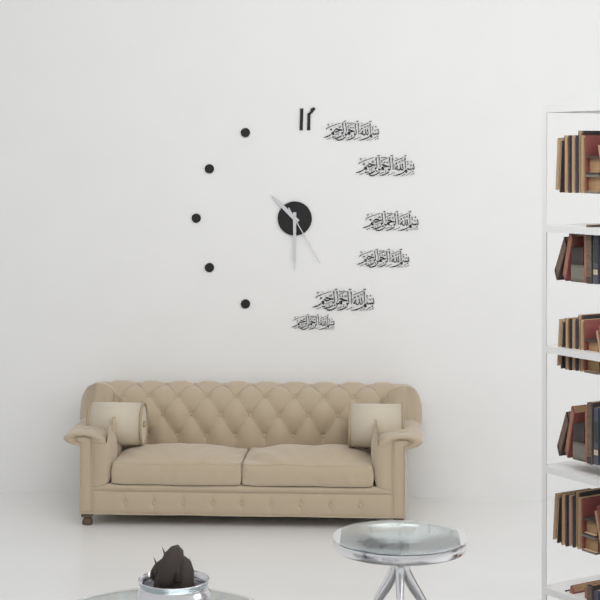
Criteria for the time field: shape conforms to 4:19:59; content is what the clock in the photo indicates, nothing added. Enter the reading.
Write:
10:30:25
